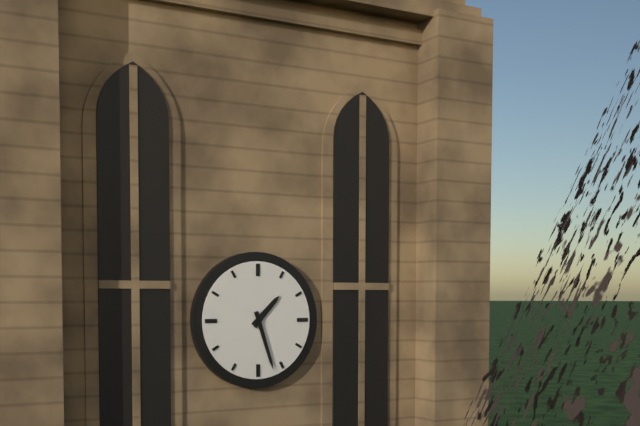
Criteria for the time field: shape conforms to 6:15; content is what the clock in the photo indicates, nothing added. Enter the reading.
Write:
1:27
